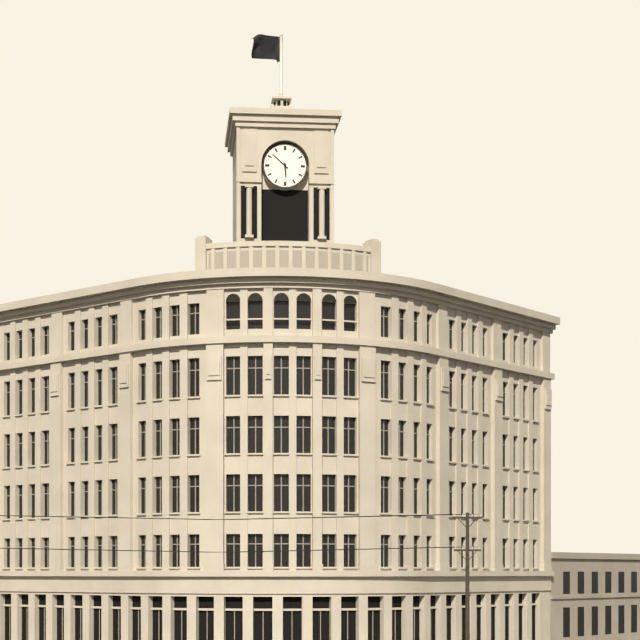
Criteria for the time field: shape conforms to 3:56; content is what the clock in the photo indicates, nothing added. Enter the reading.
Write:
5:52
